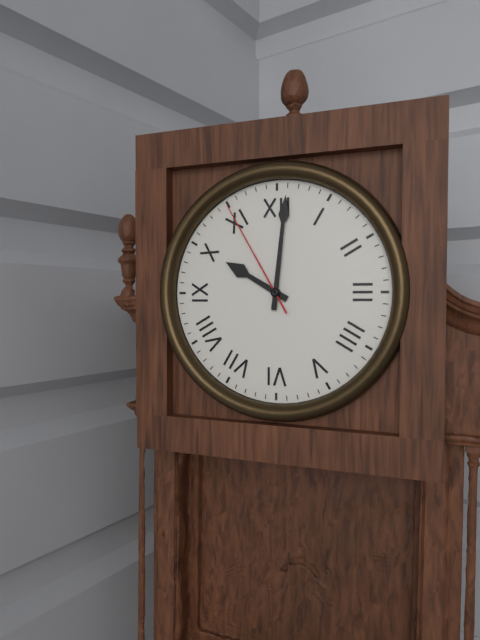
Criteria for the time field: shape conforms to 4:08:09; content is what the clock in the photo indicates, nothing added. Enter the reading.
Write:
10:01:55
